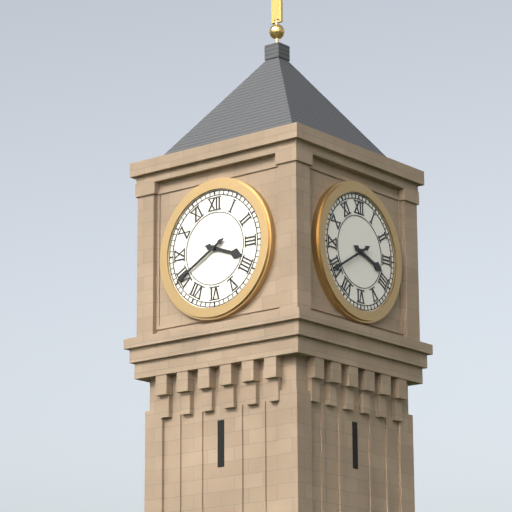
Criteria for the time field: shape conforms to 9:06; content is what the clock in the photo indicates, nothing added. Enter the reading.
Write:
3:40
